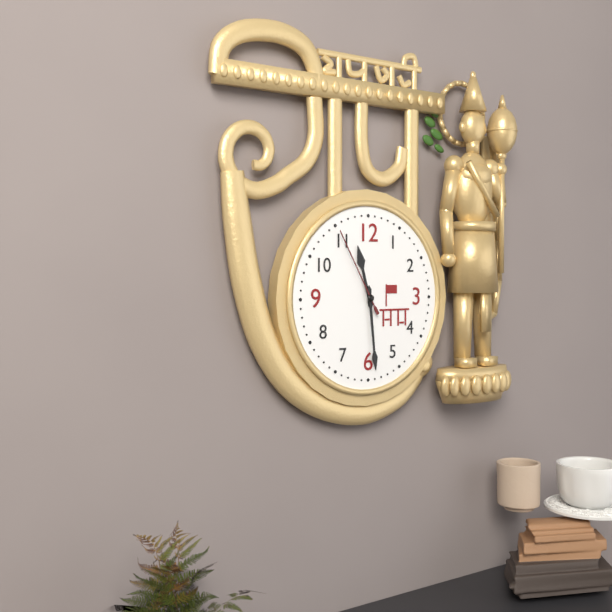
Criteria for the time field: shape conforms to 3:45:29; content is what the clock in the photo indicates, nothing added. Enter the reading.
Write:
11:29:55
